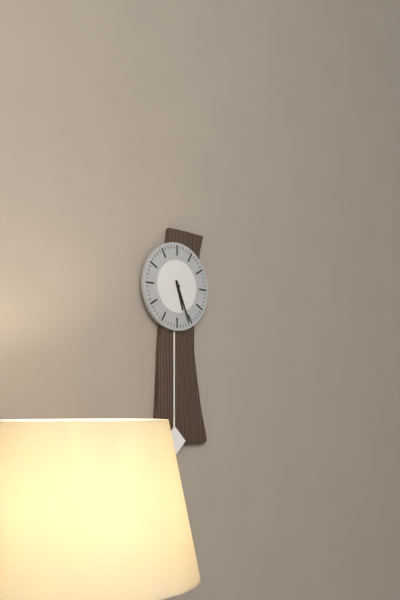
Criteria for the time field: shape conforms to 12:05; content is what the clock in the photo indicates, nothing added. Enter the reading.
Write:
5:26
